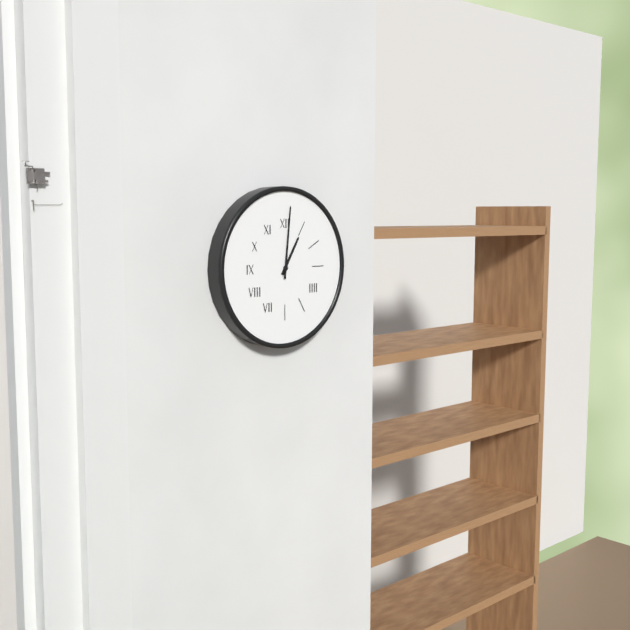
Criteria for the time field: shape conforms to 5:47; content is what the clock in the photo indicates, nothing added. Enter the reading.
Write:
1:01
